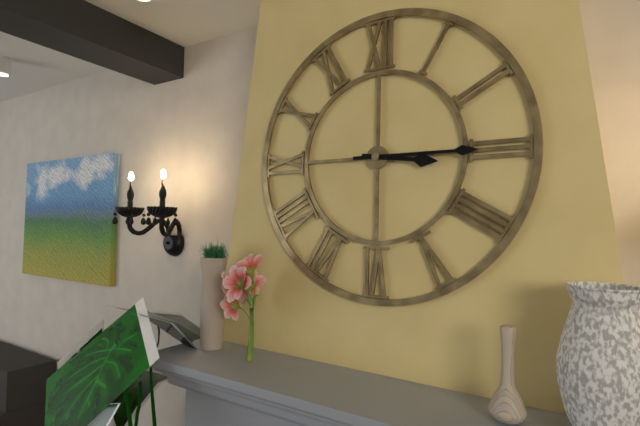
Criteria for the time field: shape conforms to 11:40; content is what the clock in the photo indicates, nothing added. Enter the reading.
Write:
3:15
